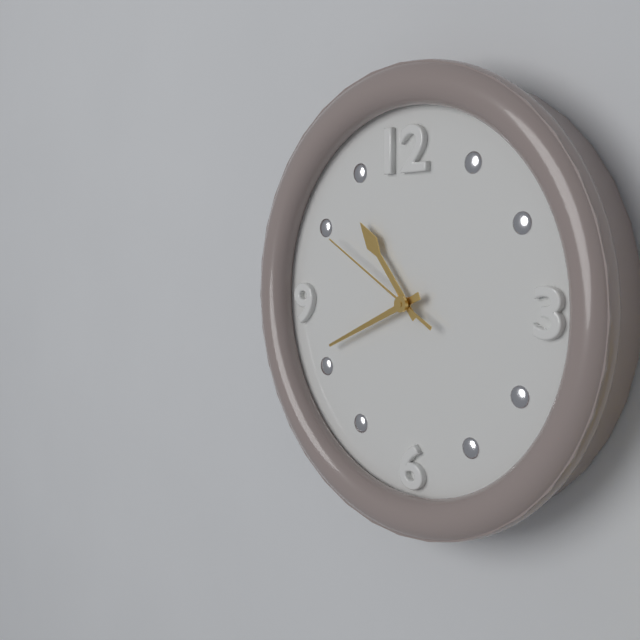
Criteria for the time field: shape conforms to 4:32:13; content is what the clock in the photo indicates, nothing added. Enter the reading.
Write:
10:41:50
